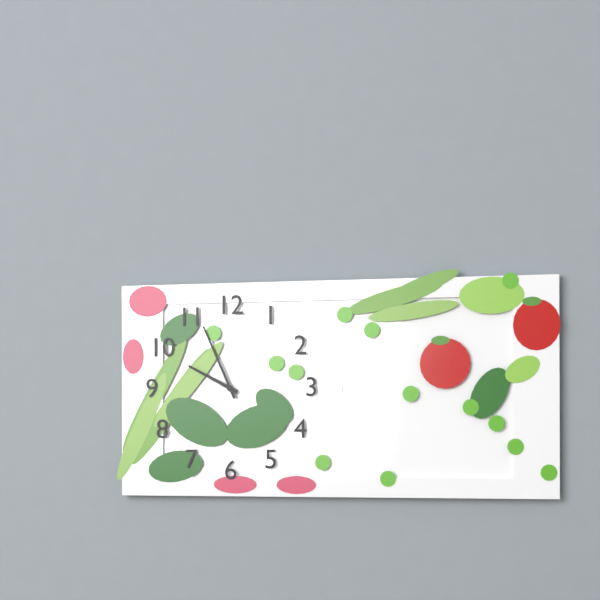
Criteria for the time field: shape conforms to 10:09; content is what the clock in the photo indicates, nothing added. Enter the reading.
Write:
9:56
